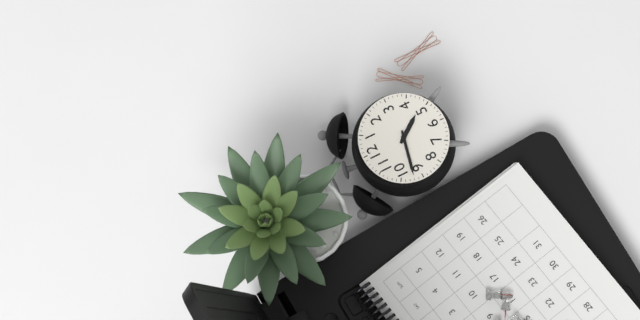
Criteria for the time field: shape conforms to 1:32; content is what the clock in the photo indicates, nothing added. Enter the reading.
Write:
4:47
